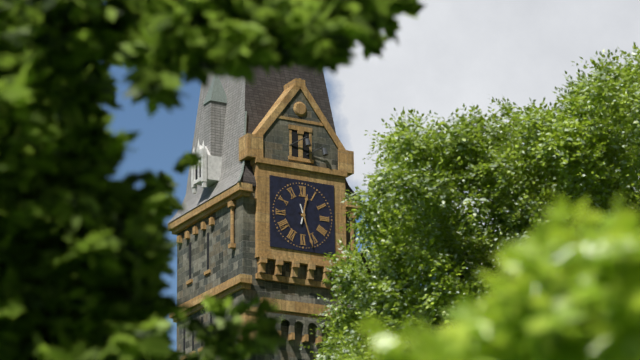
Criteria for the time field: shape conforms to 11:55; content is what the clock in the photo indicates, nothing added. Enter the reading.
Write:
12:27
